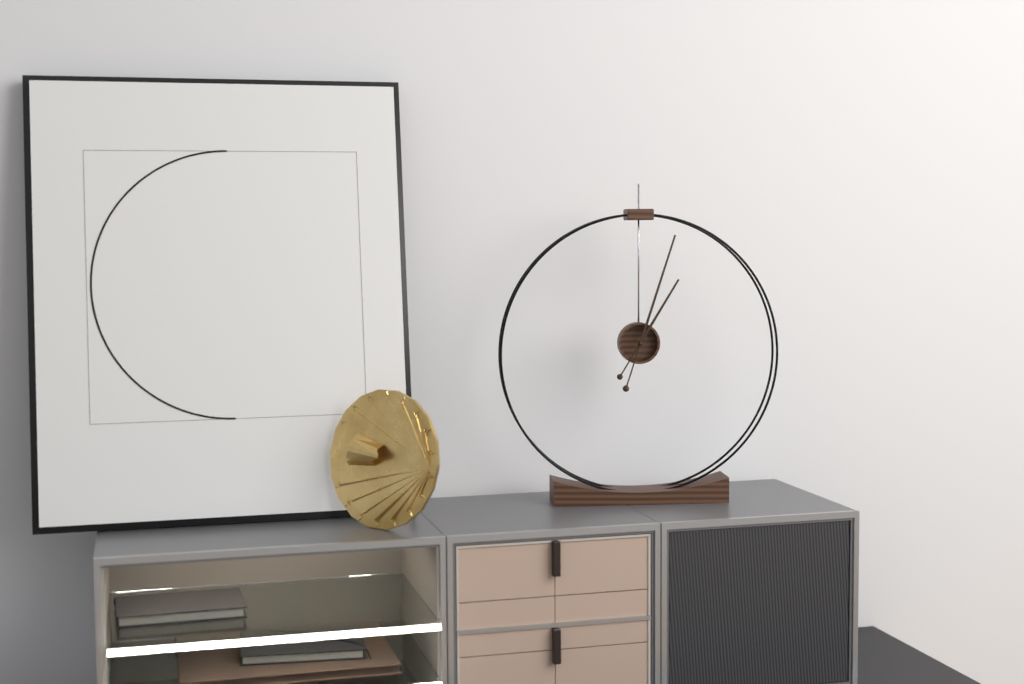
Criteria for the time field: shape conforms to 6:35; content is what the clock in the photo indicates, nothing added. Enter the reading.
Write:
1:03
